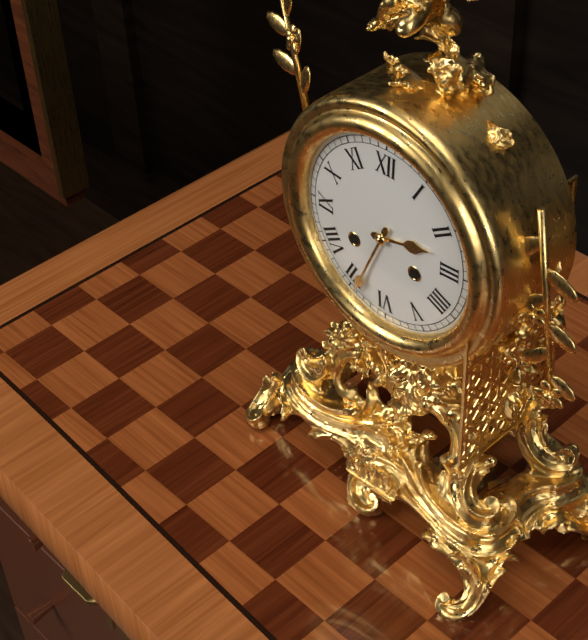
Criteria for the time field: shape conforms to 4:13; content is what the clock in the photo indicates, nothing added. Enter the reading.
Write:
2:34
